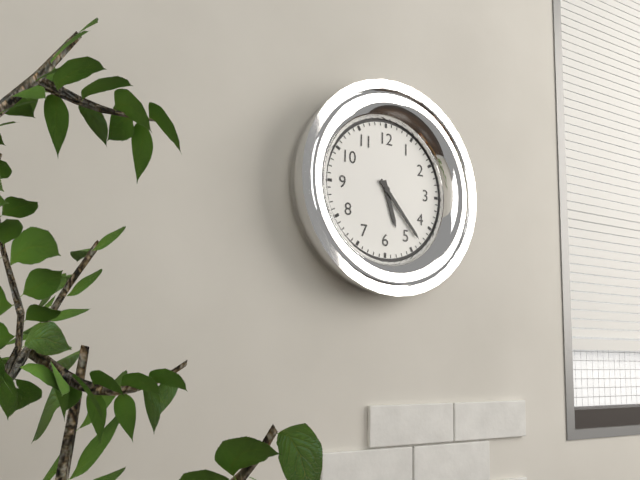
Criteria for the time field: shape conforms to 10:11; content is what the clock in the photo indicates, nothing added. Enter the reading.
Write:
5:23
